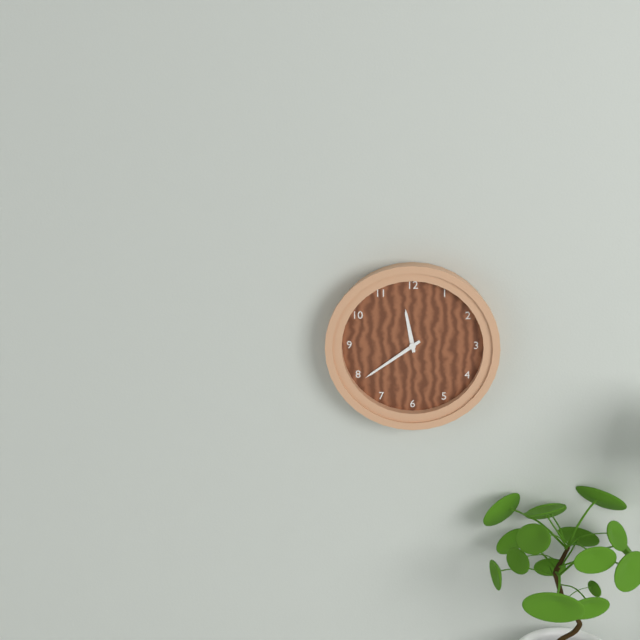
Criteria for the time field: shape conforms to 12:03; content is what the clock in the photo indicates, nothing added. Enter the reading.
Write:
11:39
